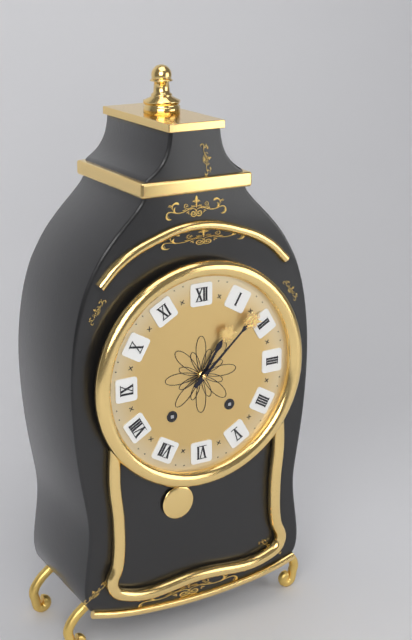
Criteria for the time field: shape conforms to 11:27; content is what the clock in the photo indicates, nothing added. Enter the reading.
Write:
1:08
